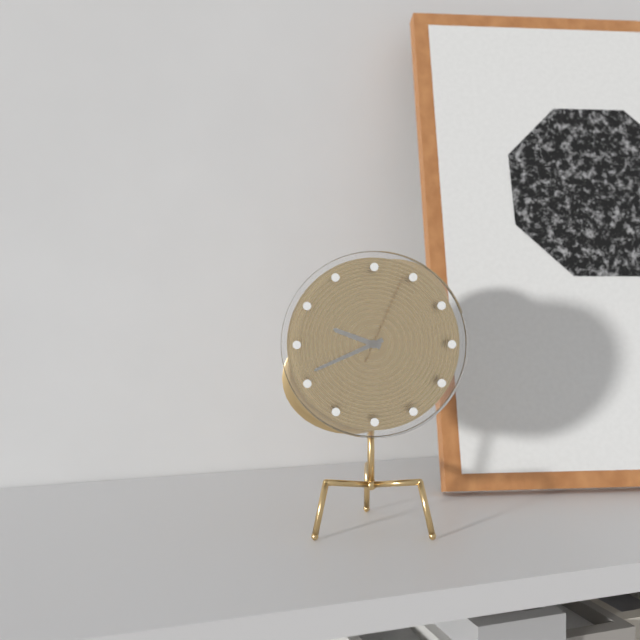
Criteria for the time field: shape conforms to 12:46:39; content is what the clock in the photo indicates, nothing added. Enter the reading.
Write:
9:41:04
